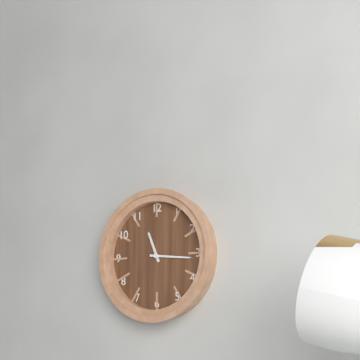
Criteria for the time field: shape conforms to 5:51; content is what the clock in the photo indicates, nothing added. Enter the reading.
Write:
11:16
